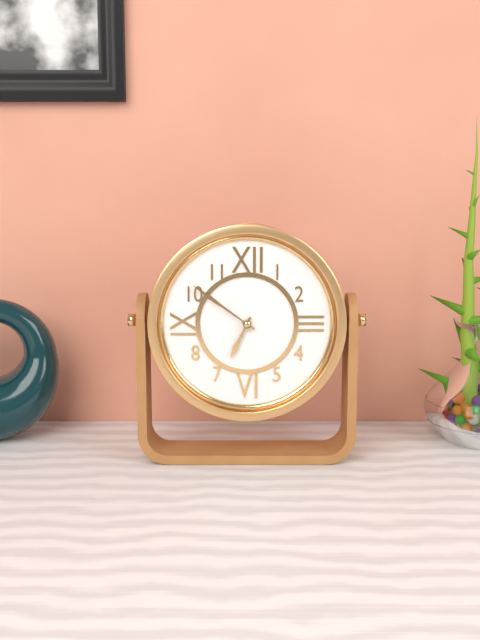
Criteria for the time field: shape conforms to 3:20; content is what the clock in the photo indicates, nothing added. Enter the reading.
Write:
6:51
